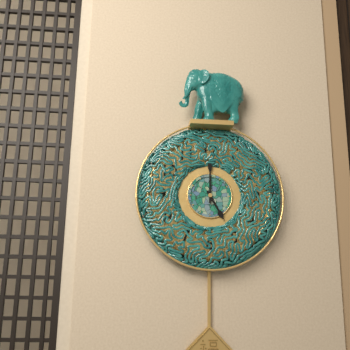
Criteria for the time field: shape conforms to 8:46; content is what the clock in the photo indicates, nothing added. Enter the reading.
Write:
5:00
